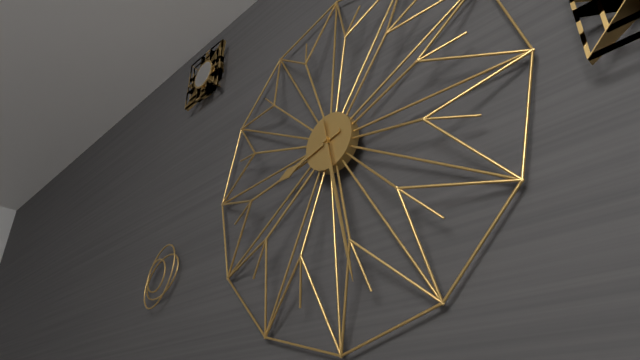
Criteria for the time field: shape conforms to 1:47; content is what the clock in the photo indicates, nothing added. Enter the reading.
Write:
8:28
